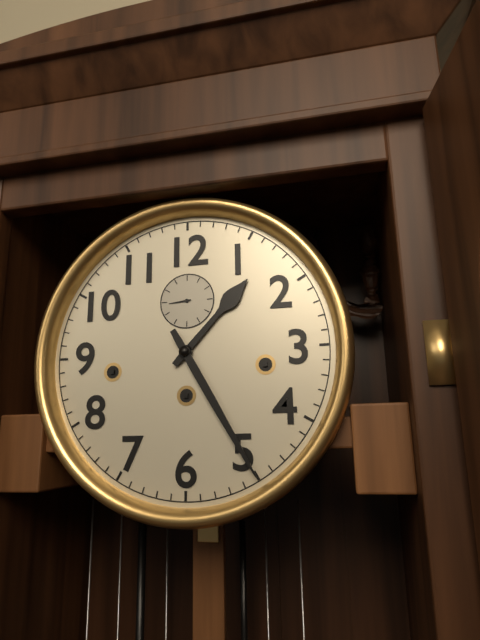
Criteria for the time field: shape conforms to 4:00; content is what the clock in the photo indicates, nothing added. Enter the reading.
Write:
1:25
